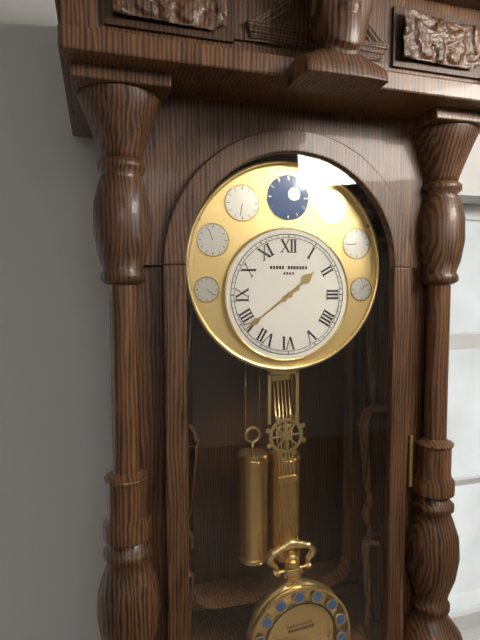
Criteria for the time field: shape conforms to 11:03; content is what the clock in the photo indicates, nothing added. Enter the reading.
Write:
1:39
